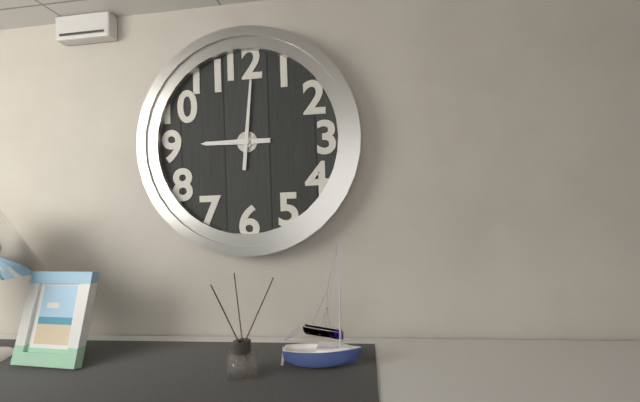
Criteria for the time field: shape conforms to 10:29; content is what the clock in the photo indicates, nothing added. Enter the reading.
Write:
9:01
